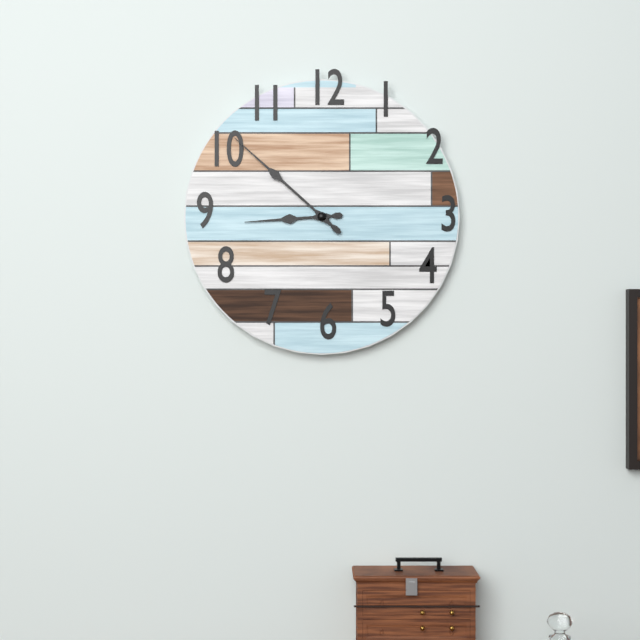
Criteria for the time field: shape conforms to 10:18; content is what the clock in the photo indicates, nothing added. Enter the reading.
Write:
8:52
